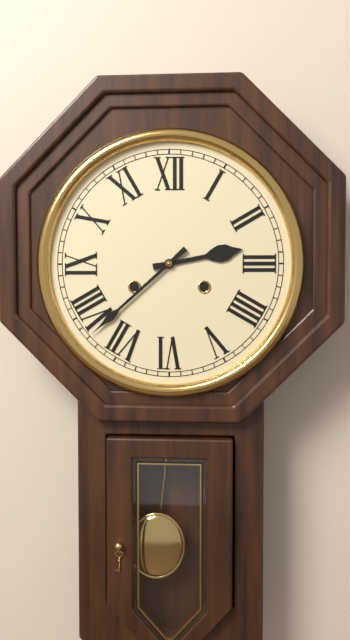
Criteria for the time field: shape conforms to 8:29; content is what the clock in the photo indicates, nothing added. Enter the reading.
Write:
2:38
